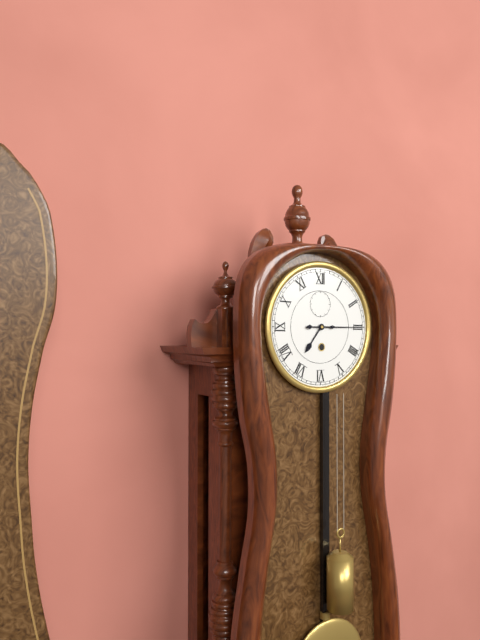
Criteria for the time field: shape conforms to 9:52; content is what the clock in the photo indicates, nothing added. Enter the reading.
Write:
7:15
